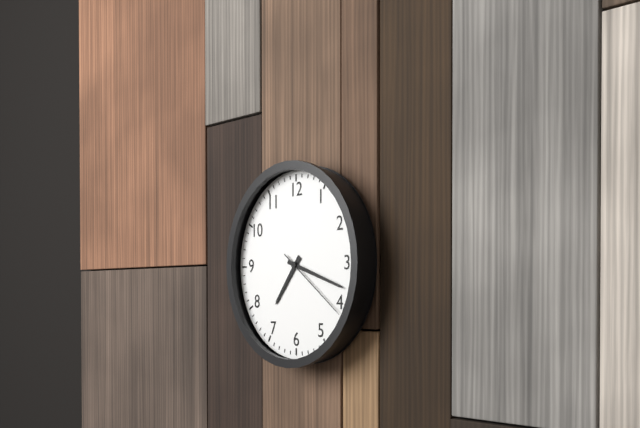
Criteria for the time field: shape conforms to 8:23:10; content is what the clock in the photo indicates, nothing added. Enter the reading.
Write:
7:18:21
